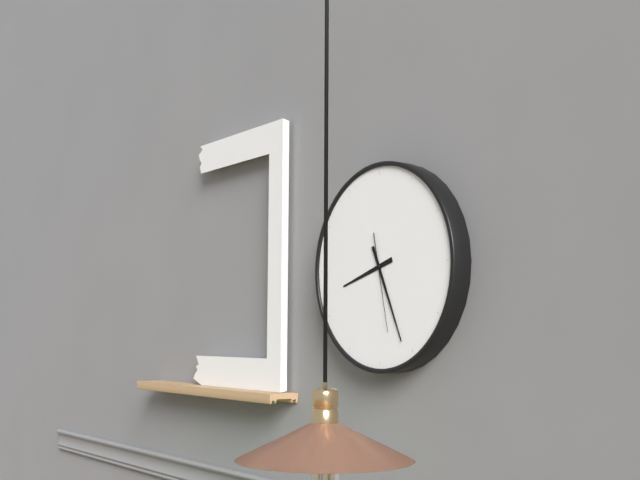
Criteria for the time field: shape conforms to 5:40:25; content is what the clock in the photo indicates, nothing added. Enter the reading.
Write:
8:26:28
